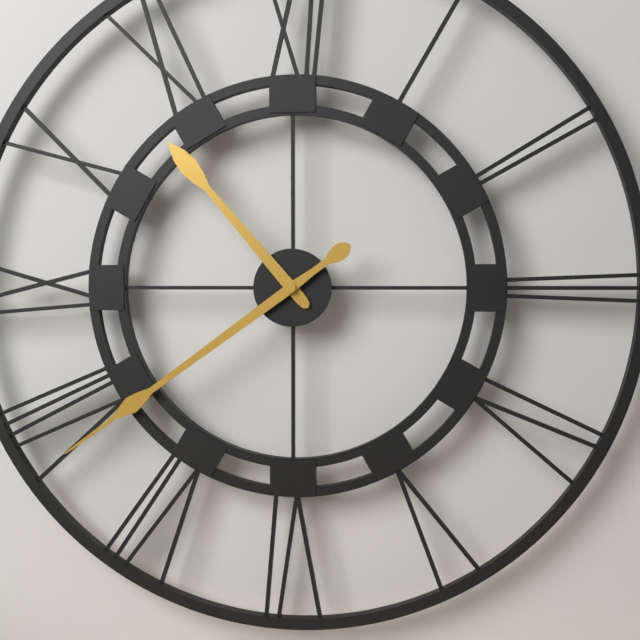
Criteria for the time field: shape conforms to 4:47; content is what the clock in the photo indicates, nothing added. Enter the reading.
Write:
10:39
